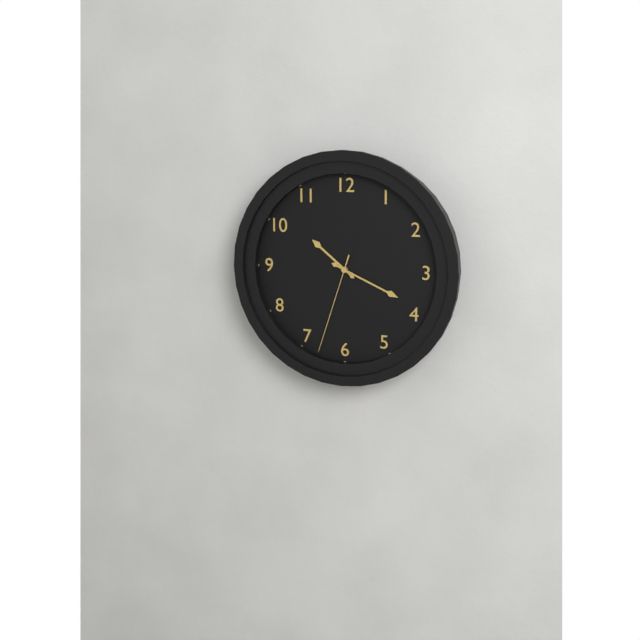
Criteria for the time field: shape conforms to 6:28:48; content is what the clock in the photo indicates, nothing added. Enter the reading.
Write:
10:19:33
